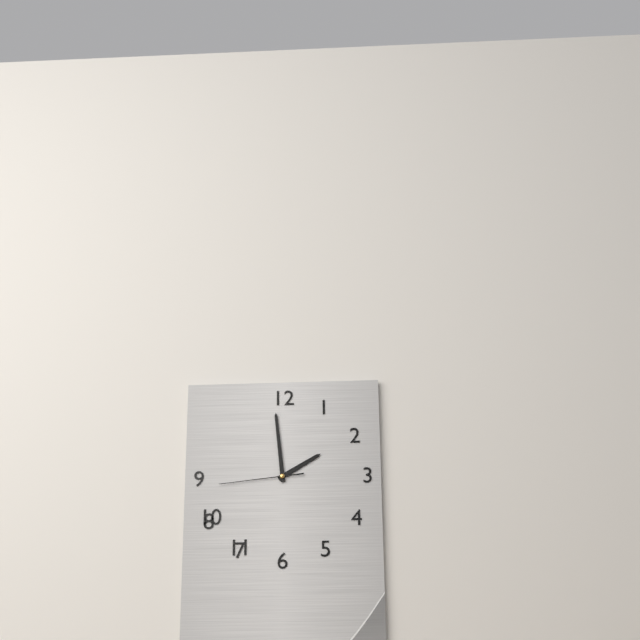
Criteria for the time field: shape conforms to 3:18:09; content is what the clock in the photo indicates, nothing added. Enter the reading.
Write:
1:59:44
